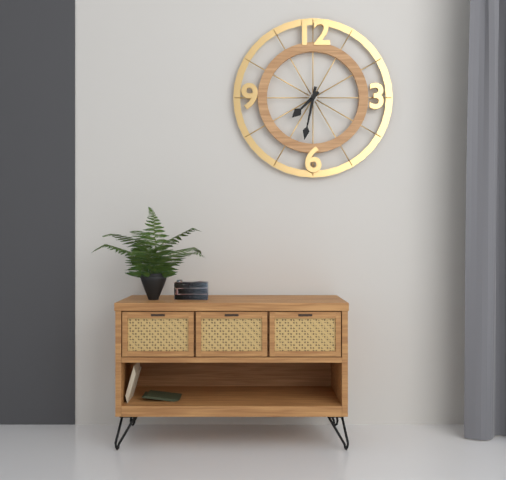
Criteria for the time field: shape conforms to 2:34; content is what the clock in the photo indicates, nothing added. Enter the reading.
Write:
7:32
